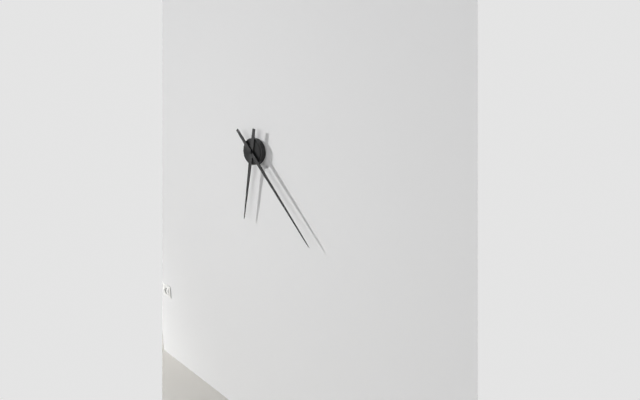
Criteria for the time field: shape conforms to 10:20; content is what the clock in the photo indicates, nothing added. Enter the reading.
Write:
6:23
